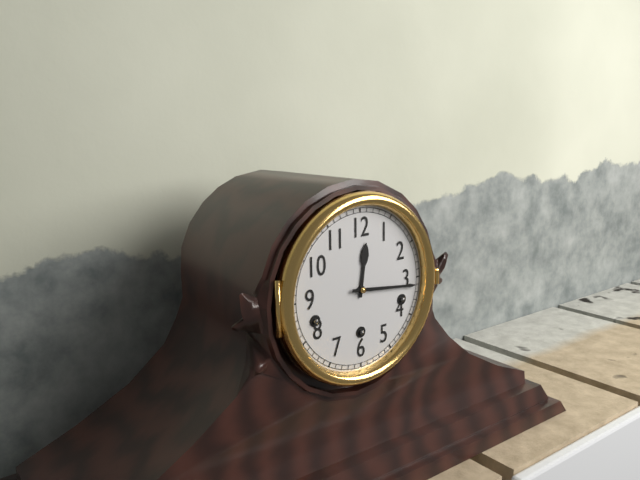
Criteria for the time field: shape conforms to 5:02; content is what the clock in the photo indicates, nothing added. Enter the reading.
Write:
12:16
